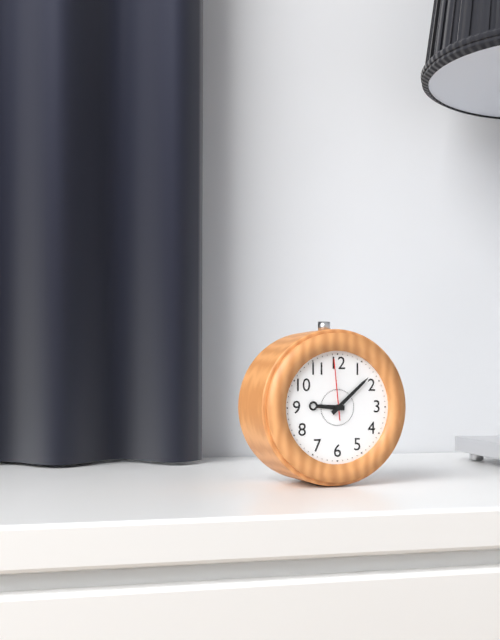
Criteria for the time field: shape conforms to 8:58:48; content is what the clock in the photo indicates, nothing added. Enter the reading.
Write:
9:08:59
